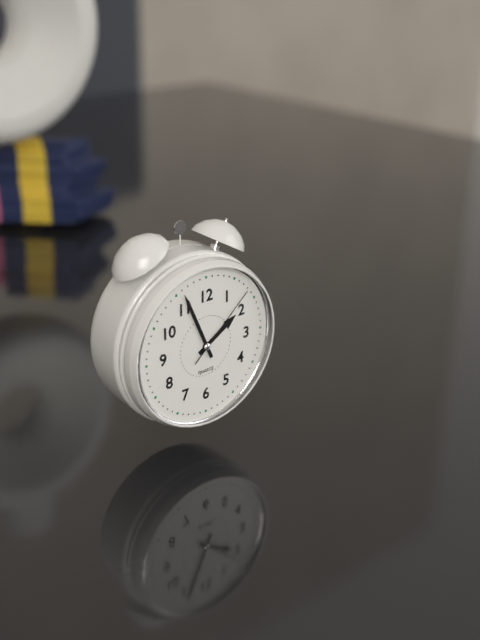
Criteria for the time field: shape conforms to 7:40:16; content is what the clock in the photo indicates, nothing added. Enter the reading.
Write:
1:56:08
